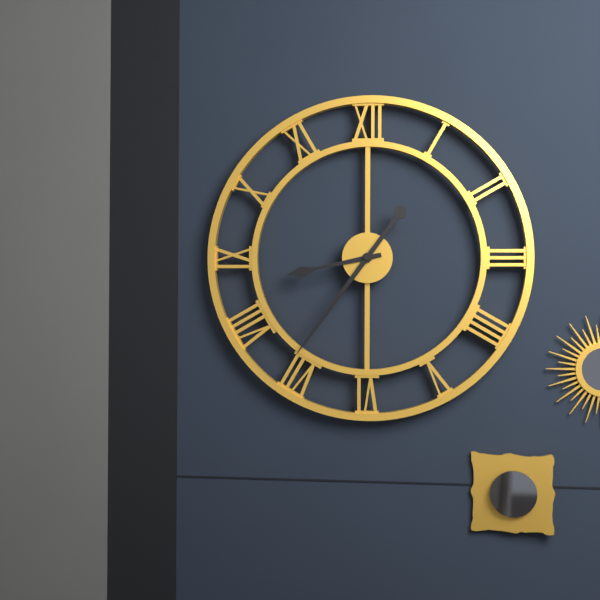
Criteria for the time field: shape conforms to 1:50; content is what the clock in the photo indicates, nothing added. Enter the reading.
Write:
8:36
